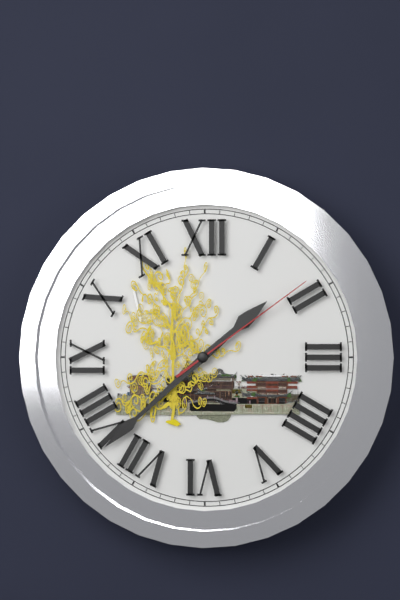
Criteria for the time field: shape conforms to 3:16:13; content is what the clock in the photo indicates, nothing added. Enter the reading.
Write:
1:38:09
